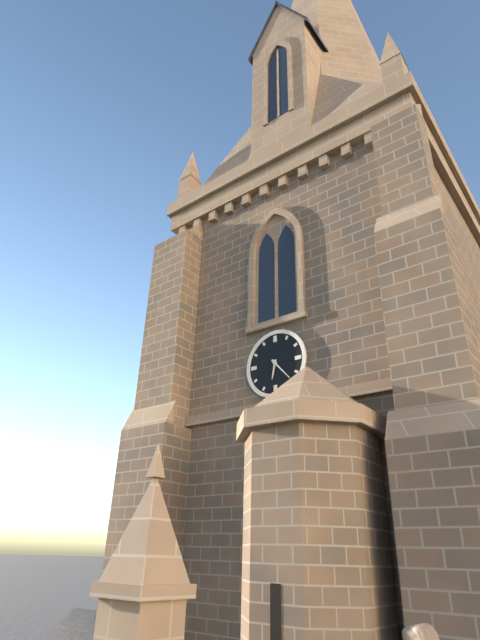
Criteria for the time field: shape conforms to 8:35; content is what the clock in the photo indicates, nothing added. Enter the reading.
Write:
6:23
